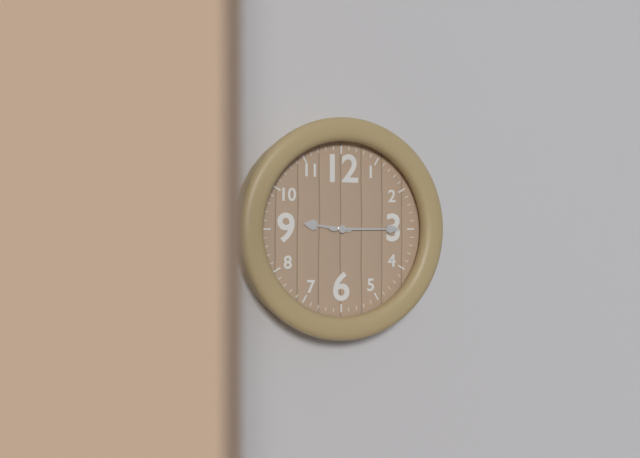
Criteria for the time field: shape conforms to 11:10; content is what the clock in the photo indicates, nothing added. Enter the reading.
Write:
9:15
